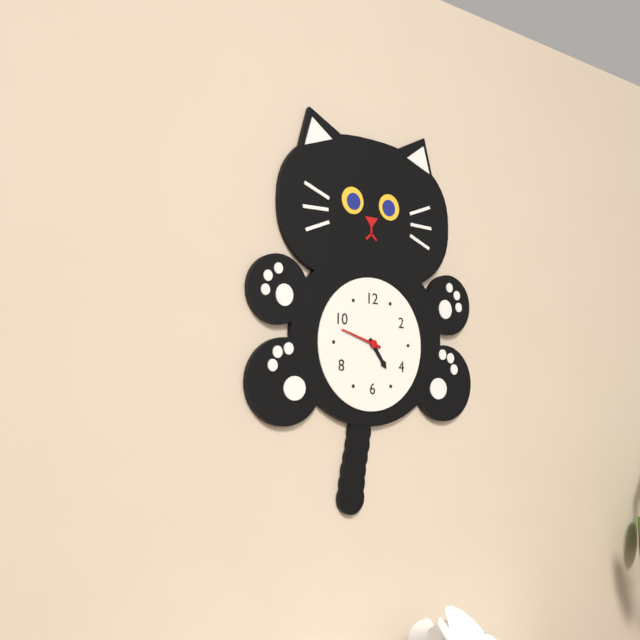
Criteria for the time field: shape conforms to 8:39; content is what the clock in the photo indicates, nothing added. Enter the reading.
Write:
4:48
